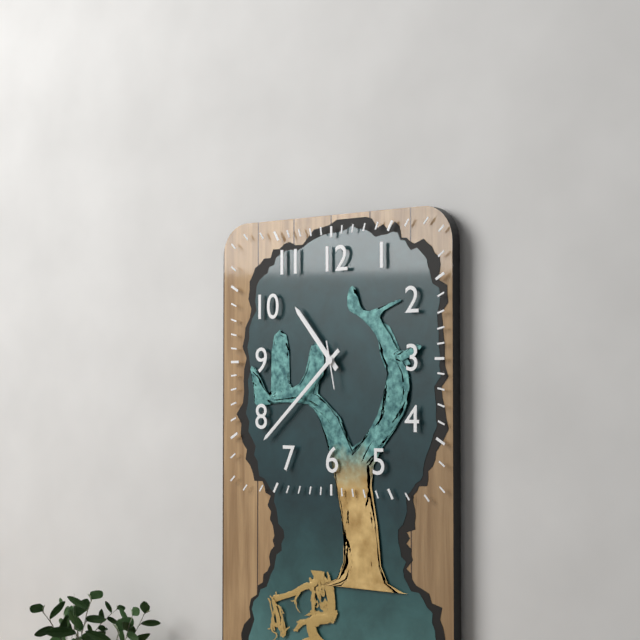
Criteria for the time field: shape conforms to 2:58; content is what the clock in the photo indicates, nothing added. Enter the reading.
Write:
10:38
